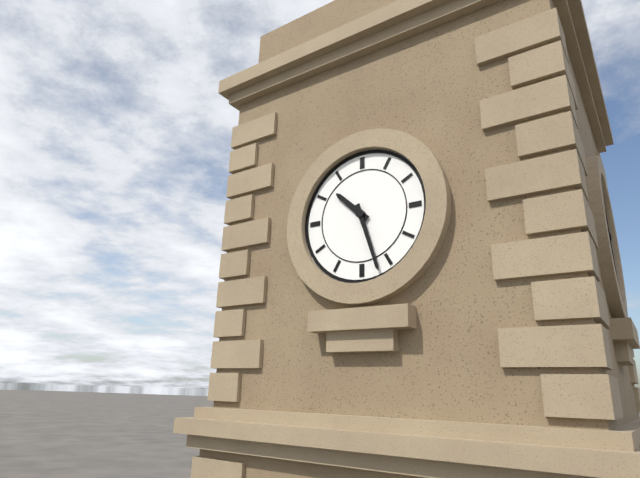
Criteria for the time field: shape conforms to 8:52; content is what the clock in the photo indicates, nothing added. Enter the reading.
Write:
10:27
